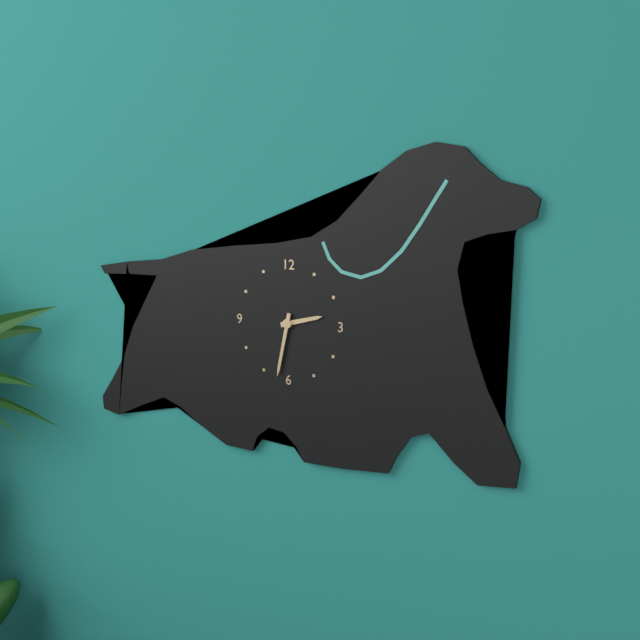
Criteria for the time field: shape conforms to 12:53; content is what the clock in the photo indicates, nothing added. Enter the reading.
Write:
2:32
